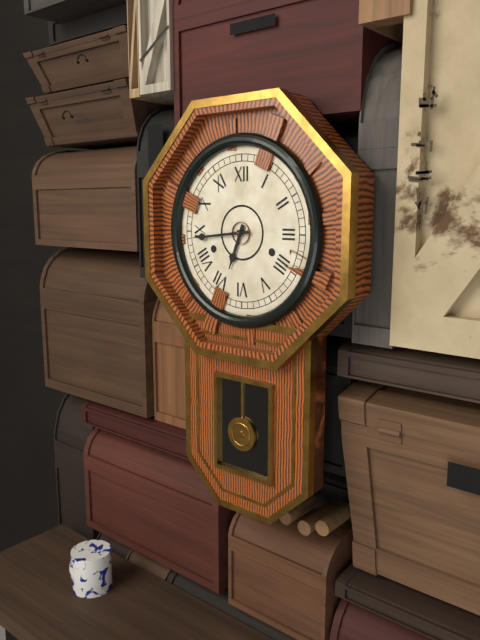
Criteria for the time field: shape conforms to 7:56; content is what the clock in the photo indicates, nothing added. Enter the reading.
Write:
6:44
